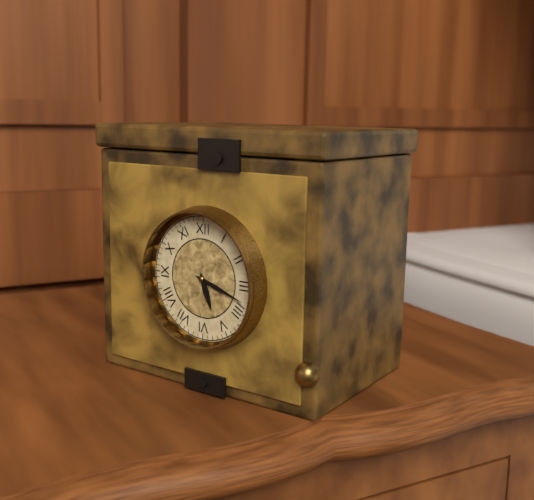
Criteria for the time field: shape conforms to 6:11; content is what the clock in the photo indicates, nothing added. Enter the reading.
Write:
5:18
